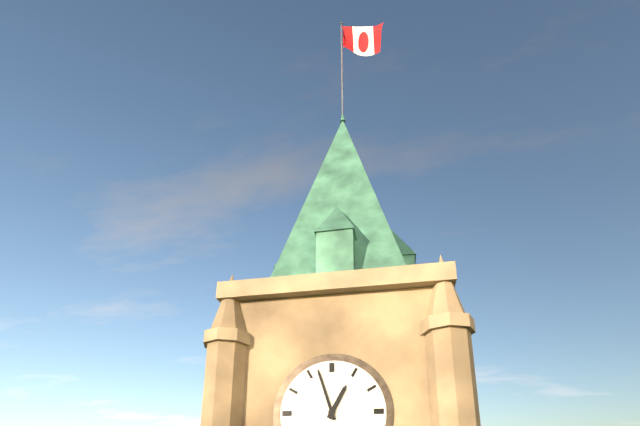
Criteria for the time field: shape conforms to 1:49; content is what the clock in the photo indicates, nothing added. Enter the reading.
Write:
12:57
